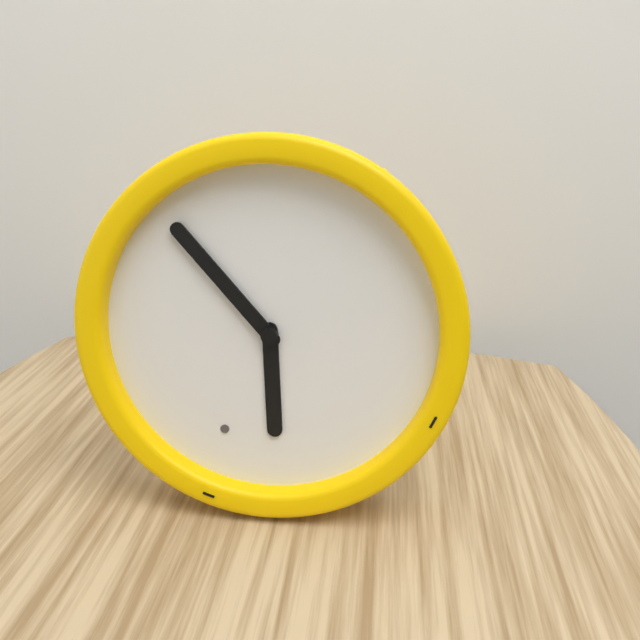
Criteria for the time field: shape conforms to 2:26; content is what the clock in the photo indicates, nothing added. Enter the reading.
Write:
5:53
